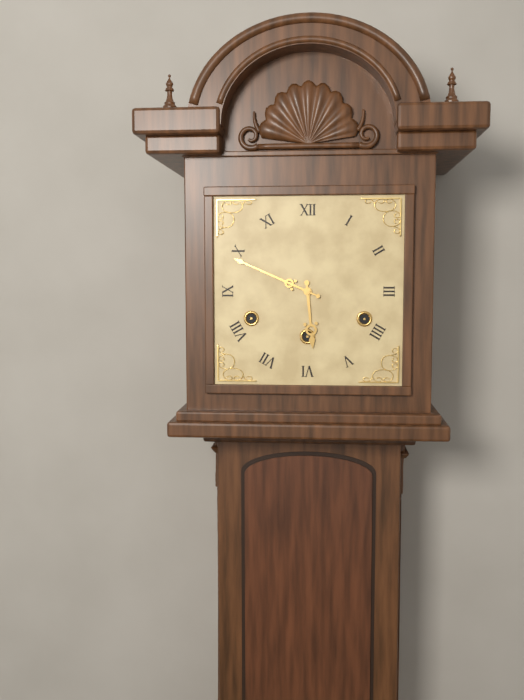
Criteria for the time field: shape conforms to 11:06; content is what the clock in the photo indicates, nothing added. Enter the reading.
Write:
5:49
